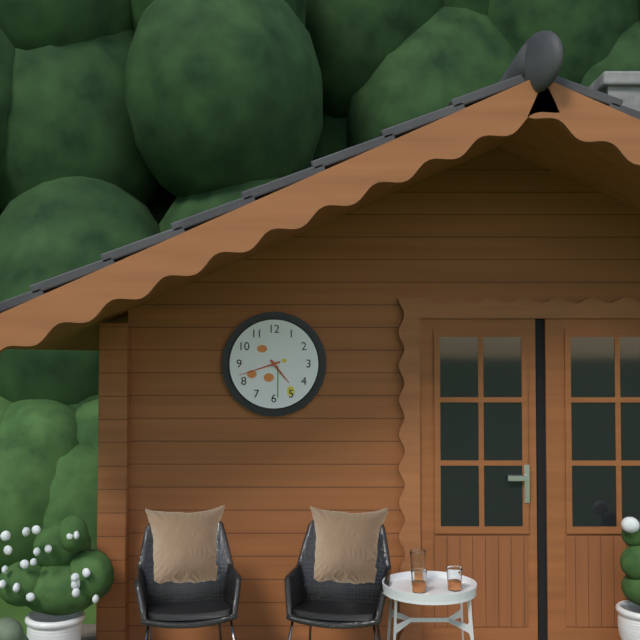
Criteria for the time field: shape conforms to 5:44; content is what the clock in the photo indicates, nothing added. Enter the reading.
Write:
4:42
